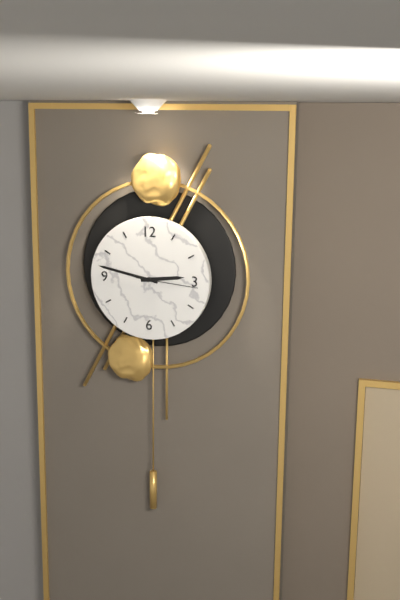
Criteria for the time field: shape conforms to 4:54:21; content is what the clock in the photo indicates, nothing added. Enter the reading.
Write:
2:47:16
